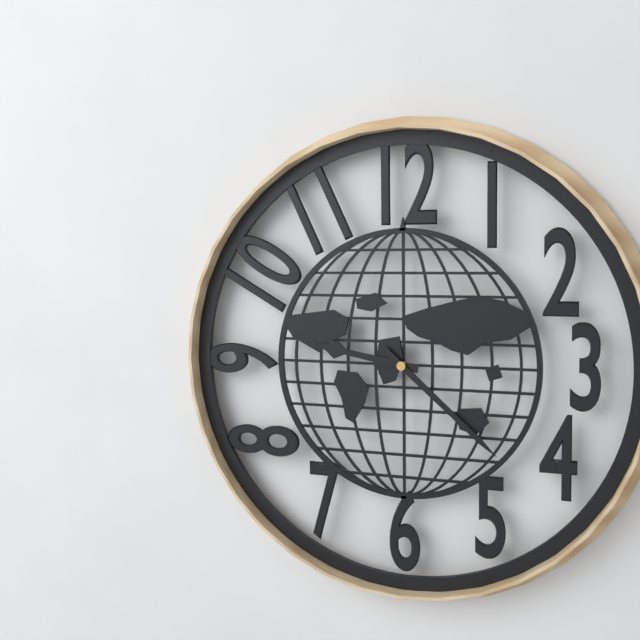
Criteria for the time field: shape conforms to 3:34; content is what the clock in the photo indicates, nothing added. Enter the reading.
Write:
9:22
